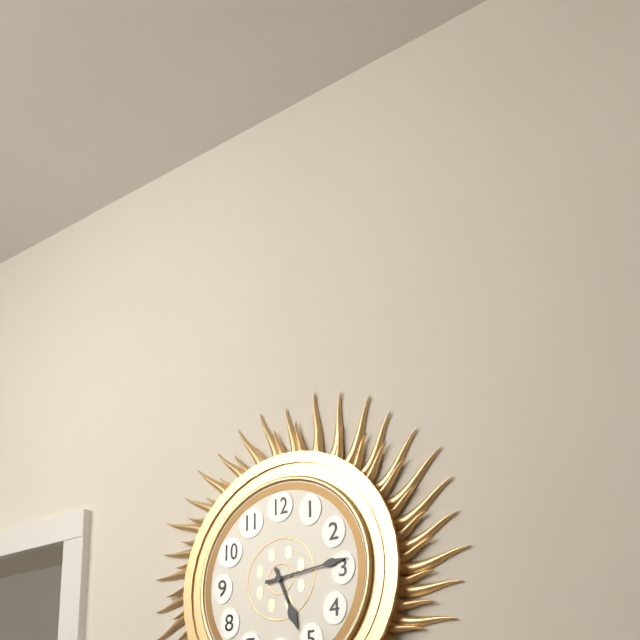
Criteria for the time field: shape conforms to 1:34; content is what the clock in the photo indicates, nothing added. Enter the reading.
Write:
5:14
